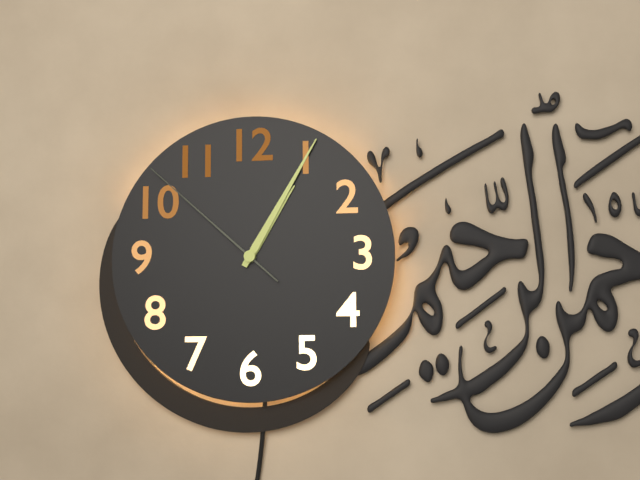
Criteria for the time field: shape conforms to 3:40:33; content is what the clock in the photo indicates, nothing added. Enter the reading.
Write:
1:05:52
